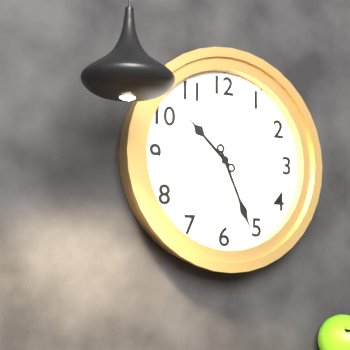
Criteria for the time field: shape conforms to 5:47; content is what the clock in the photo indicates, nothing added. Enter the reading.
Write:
10:26
